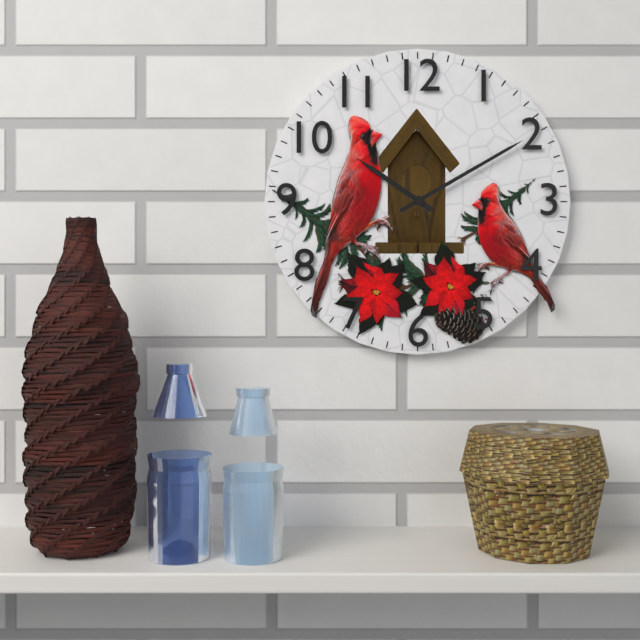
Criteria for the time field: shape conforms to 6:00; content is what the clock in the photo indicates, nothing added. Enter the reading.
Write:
10:10
